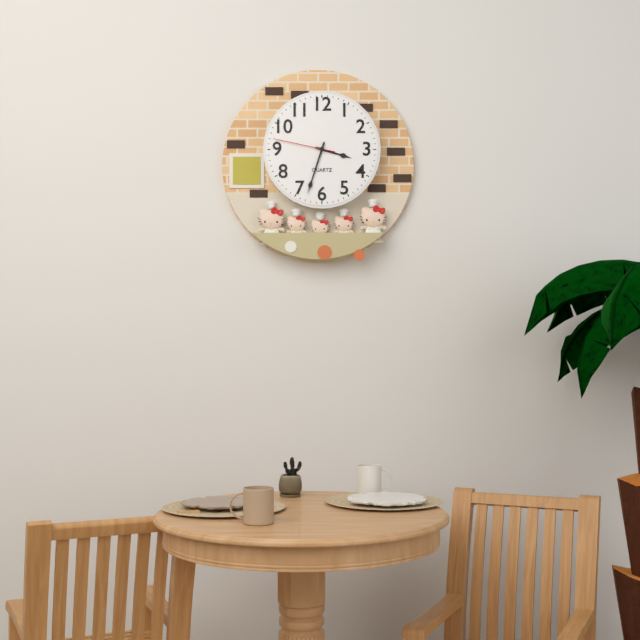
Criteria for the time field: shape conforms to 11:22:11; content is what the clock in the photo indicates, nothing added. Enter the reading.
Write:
3:33:47
